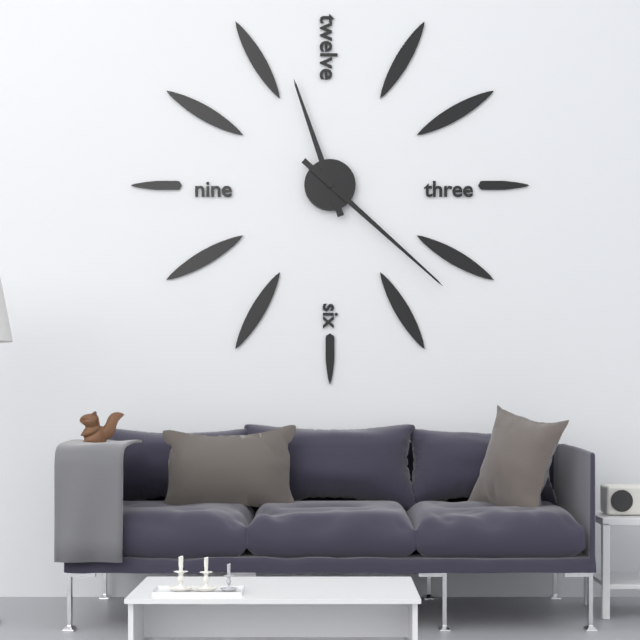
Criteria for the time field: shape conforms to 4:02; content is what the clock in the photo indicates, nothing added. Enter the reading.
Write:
11:22
